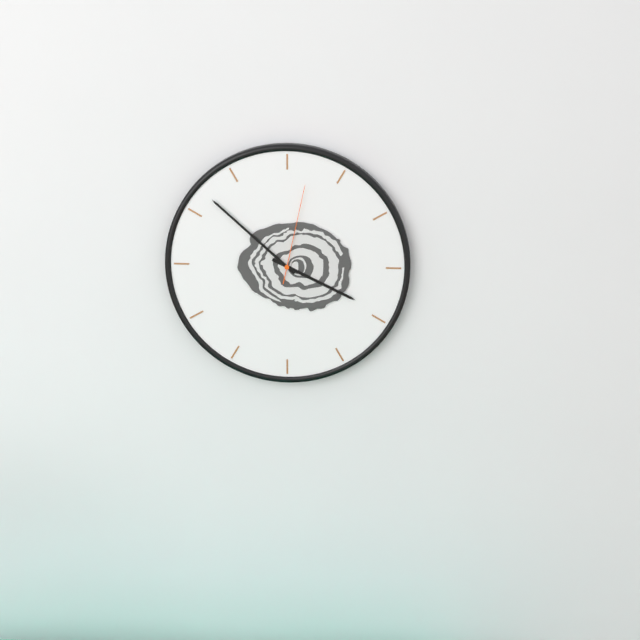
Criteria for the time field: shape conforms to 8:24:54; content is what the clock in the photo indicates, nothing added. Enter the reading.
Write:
3:52:02
